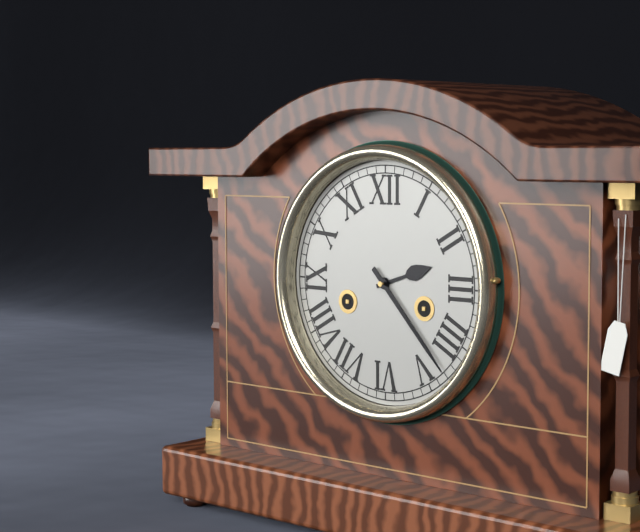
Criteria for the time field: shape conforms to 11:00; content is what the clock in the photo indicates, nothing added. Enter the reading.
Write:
2:23
